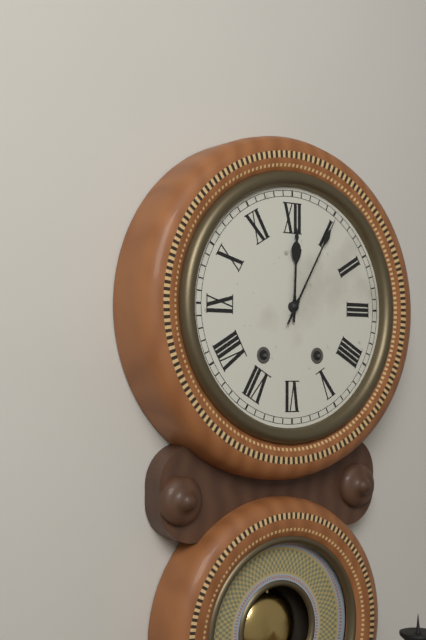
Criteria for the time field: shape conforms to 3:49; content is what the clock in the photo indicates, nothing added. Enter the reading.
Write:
12:05
